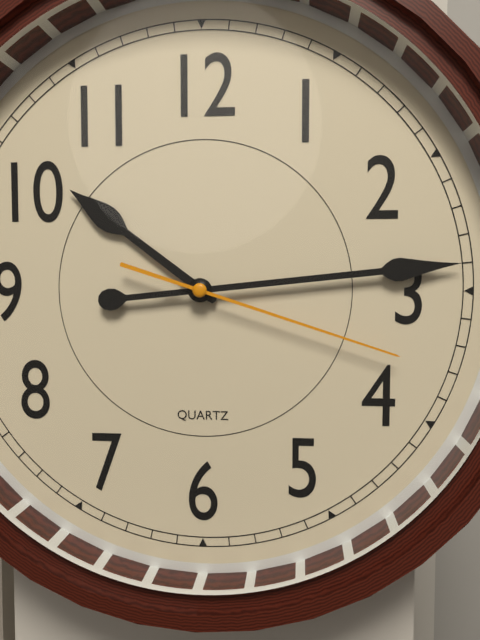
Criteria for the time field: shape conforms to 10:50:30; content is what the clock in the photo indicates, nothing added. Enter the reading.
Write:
10:14:18
